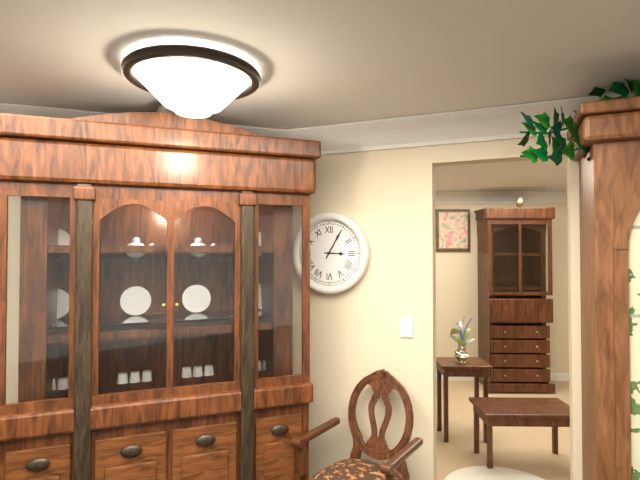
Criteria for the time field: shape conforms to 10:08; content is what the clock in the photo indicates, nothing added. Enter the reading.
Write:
3:05
